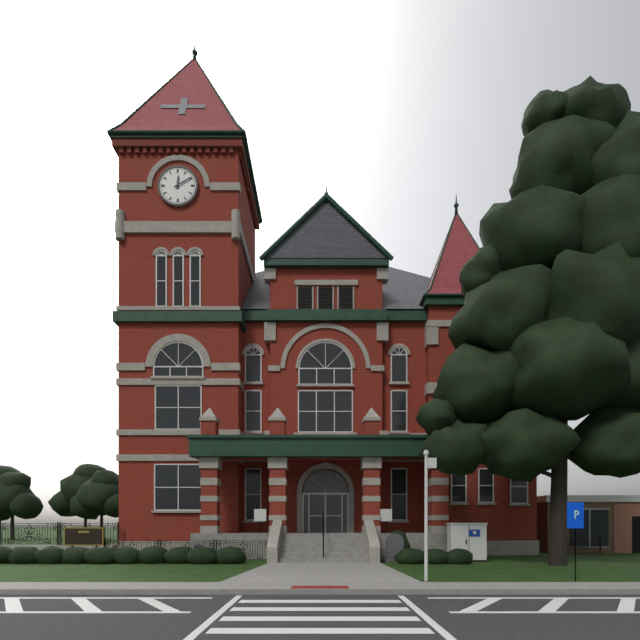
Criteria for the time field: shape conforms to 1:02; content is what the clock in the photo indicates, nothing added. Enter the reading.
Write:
12:10
